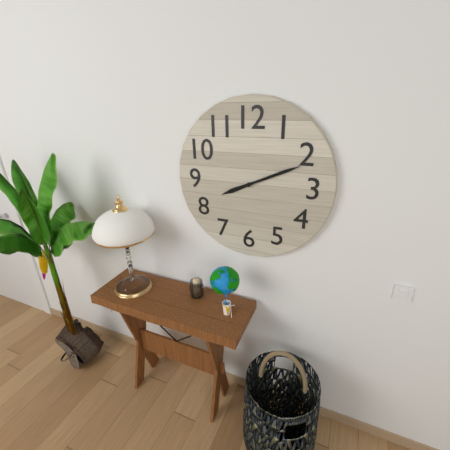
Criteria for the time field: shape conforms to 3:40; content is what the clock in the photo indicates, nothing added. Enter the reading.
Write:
8:11
